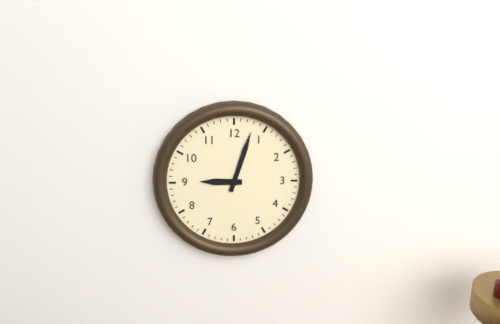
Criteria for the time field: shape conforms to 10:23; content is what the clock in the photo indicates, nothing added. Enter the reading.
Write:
9:03
